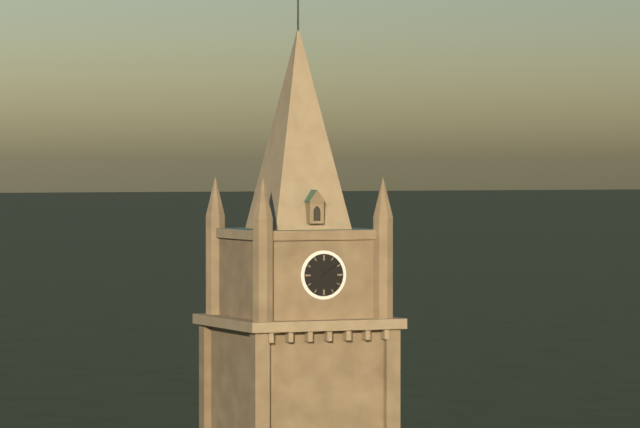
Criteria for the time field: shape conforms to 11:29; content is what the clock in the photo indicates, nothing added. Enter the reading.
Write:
3:09
